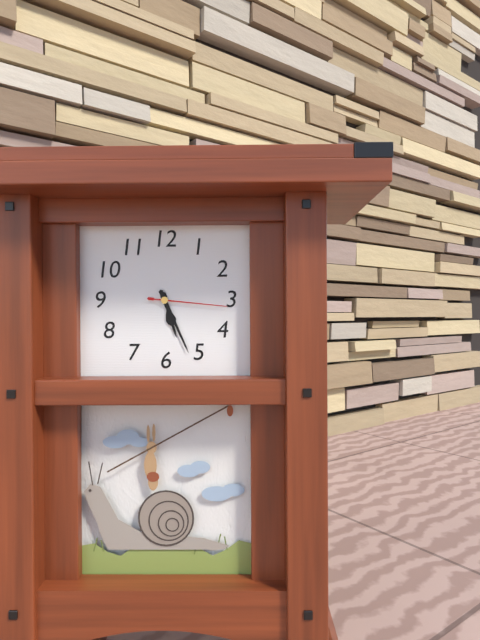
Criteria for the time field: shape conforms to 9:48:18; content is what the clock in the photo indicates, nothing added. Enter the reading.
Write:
5:26:16
